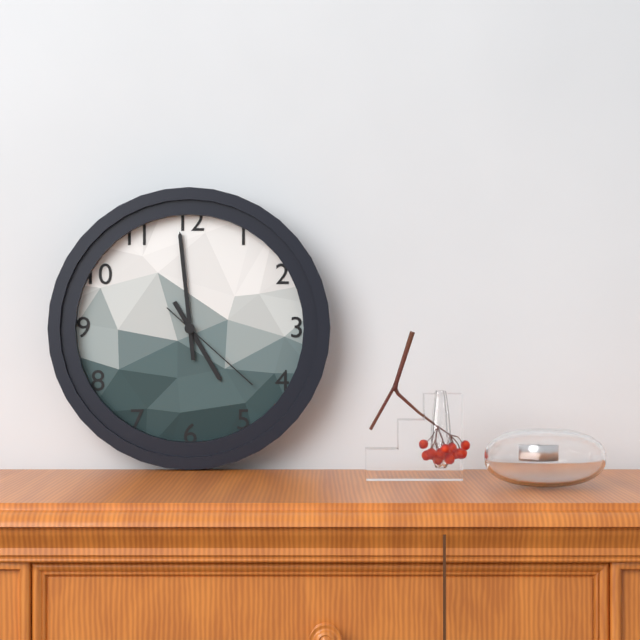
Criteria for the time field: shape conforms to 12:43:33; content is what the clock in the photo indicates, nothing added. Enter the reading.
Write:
4:59:22
